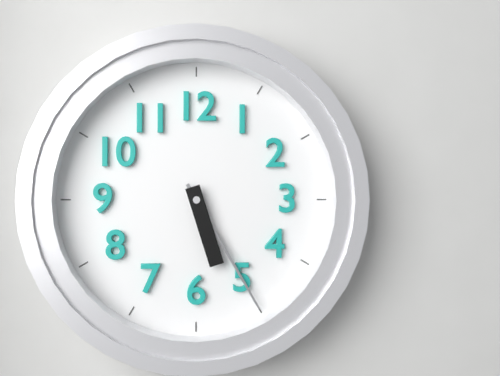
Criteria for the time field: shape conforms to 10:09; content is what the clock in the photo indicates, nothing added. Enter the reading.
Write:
5:25
